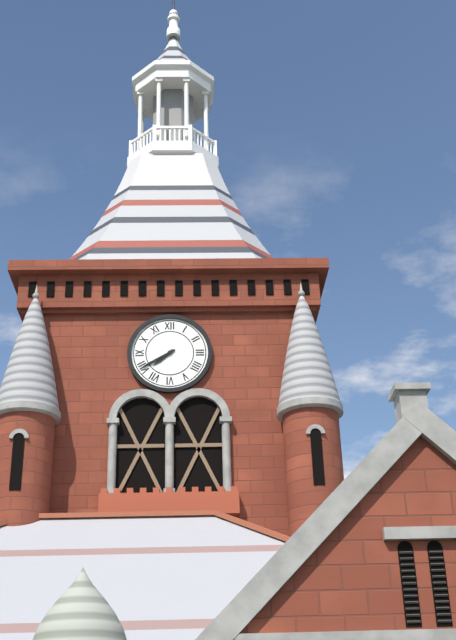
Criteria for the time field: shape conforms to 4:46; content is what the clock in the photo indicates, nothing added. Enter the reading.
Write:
7:40
